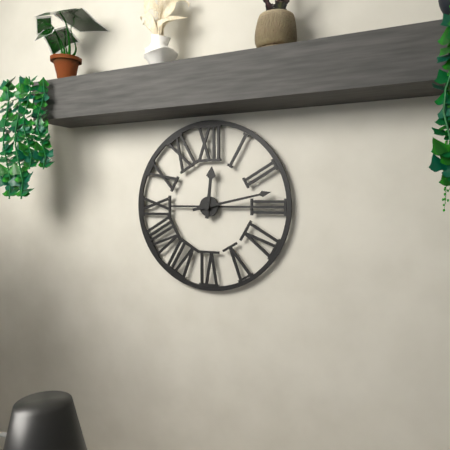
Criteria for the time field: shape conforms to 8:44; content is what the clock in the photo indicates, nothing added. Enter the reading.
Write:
12:13
